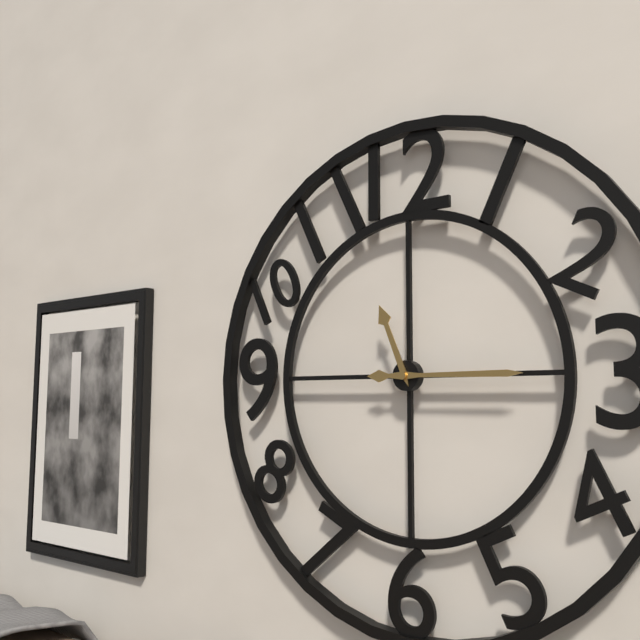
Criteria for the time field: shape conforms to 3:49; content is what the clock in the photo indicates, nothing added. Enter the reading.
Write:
11:15
